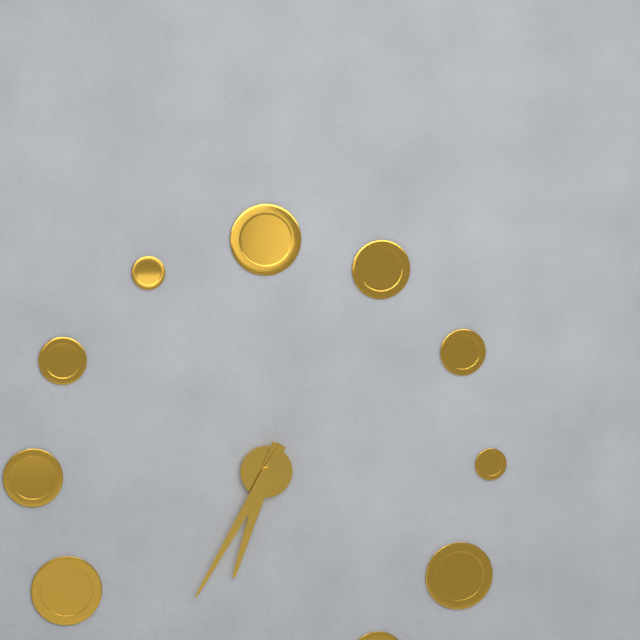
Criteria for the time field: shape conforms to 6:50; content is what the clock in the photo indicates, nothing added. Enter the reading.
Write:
6:35
